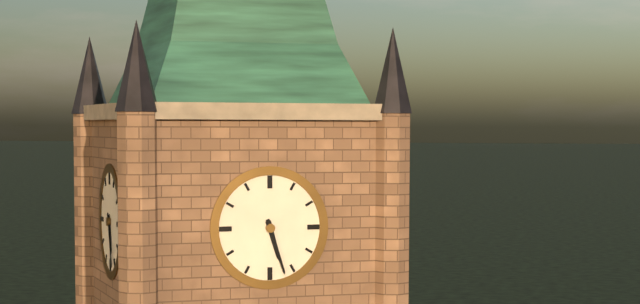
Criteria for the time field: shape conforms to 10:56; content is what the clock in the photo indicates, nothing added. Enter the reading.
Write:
5:27
